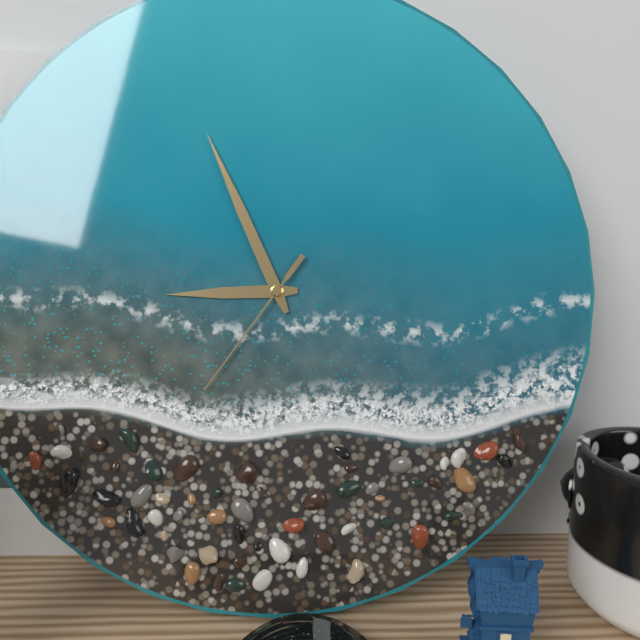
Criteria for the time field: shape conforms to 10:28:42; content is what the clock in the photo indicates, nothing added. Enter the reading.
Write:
8:56:36
